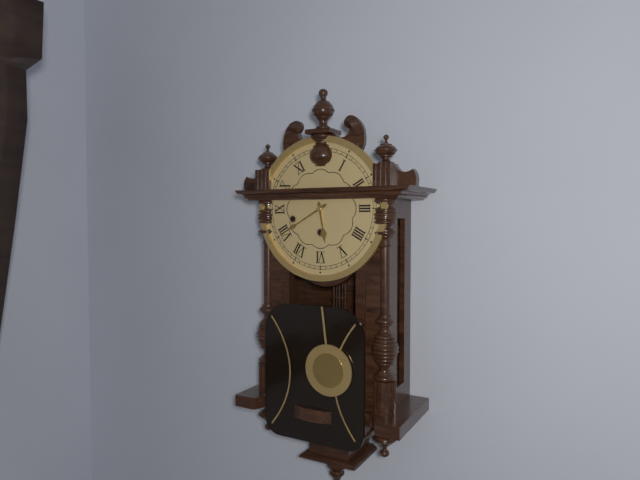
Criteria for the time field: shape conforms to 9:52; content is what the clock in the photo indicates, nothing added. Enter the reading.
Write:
5:40
